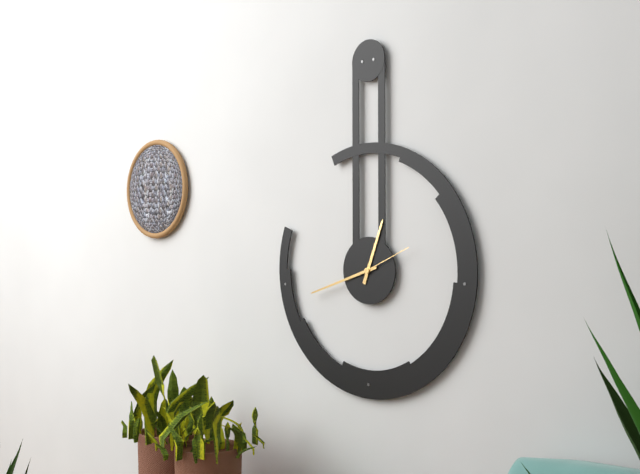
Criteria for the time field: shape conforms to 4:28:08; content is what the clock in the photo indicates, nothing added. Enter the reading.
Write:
12:42:11
